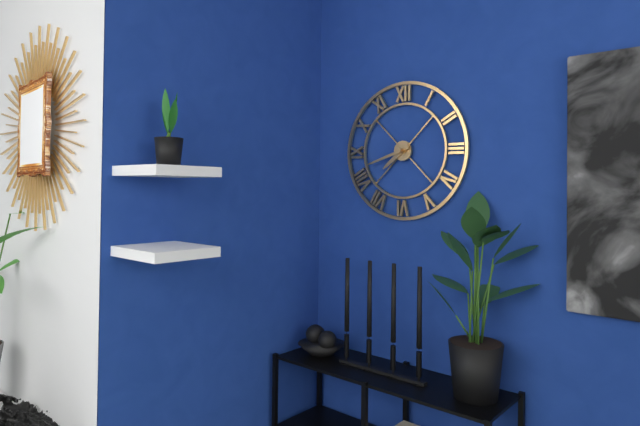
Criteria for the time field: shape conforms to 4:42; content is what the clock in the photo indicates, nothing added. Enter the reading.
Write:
7:42
